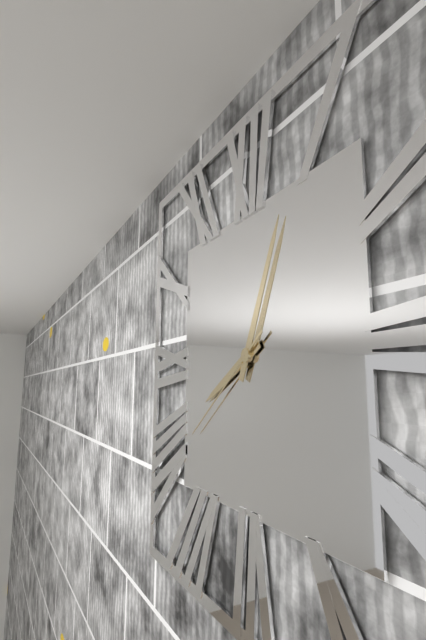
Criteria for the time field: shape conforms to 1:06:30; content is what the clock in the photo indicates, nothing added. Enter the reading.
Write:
8:04:39
